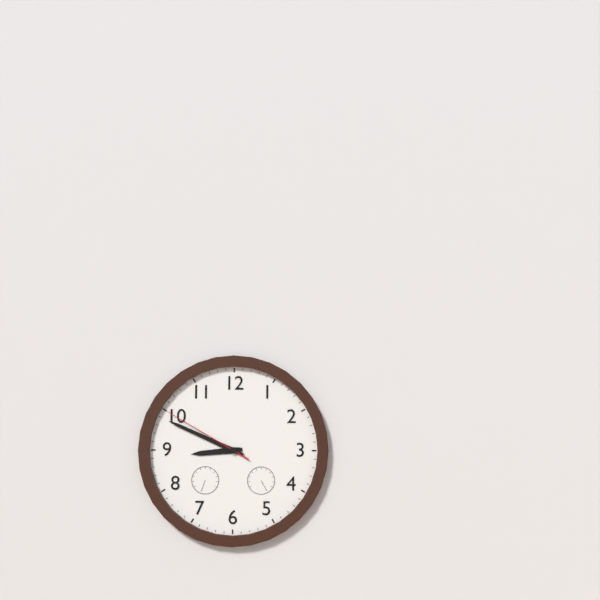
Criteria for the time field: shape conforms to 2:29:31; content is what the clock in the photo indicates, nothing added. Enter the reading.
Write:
8:49:50
